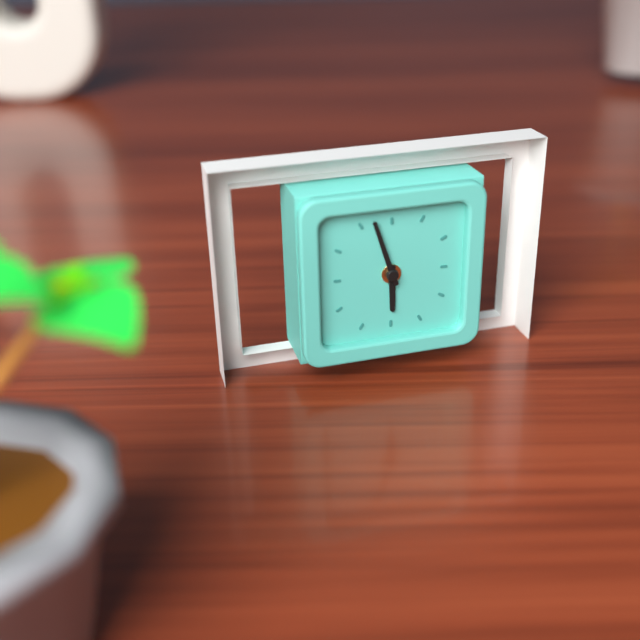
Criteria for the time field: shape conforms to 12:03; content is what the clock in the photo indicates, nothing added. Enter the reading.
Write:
5:57
